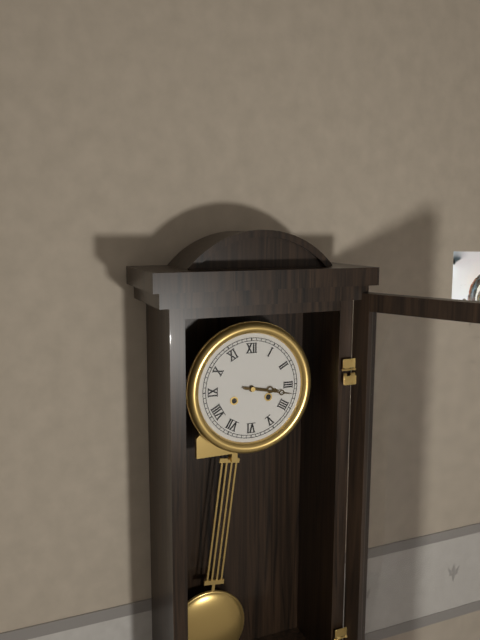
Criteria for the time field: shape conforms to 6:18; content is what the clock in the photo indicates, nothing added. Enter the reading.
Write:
3:17
